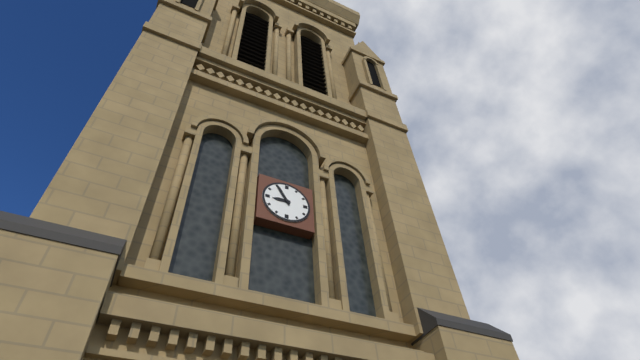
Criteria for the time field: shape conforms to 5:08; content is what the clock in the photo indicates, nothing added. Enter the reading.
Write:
8:55
